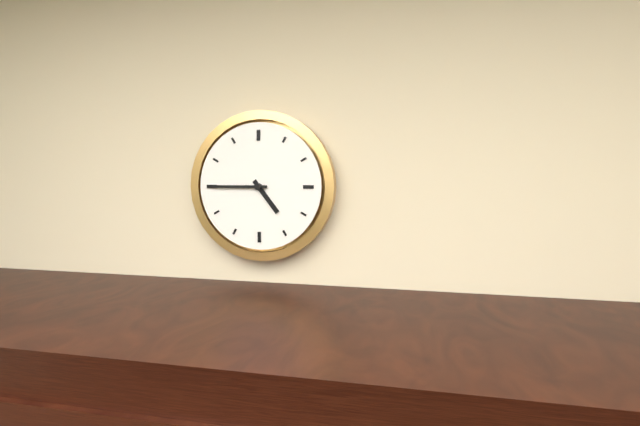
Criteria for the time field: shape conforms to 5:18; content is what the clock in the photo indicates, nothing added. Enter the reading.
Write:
4:45
